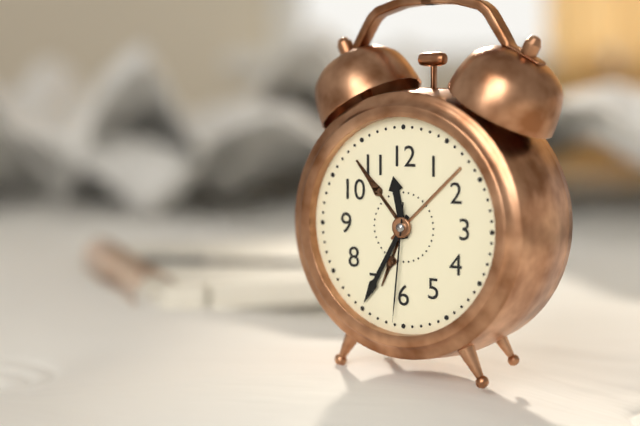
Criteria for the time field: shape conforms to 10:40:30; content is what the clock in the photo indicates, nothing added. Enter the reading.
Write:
11:35:31
